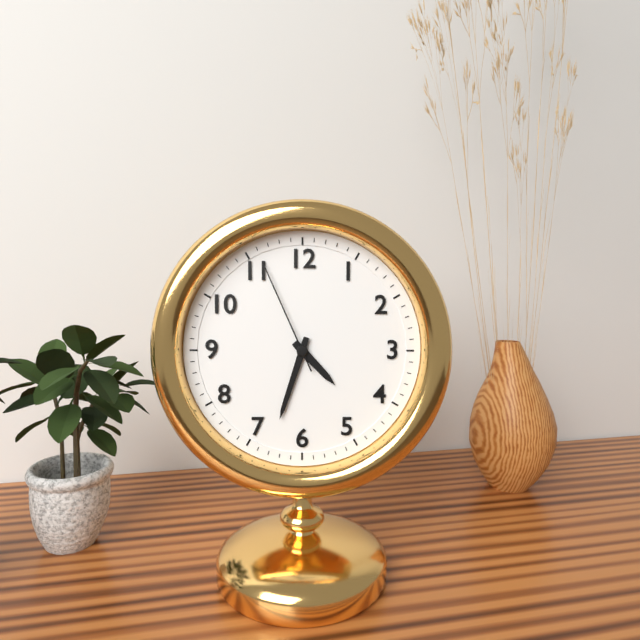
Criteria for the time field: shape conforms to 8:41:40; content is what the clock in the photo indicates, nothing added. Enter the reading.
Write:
4:33:56
